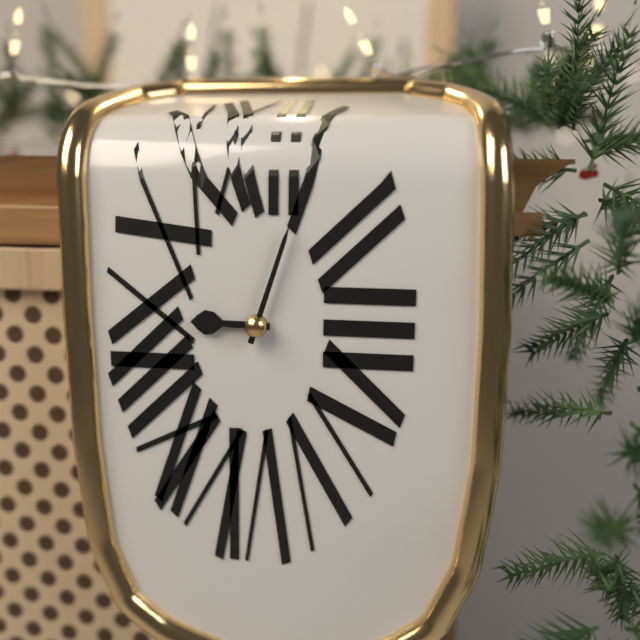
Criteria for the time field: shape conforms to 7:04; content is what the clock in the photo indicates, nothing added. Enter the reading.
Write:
9:03
